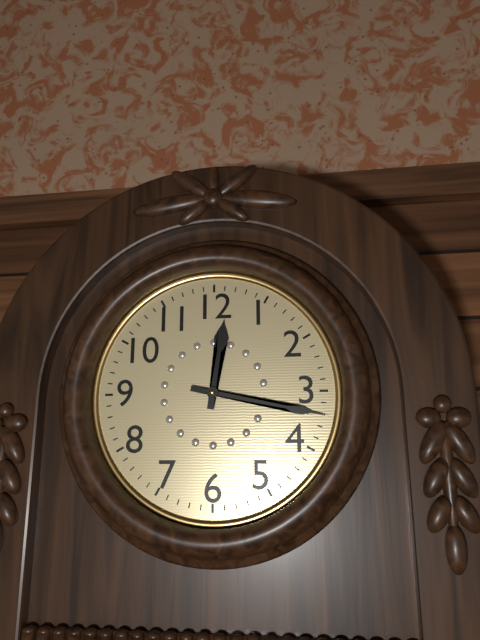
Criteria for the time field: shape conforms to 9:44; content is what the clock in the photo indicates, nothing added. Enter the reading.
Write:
12:17
